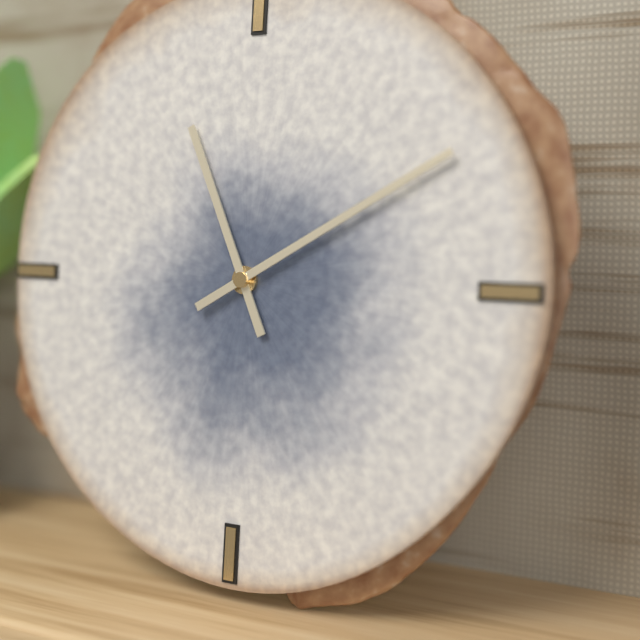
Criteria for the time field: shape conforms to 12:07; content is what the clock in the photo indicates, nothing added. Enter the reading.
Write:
11:10
